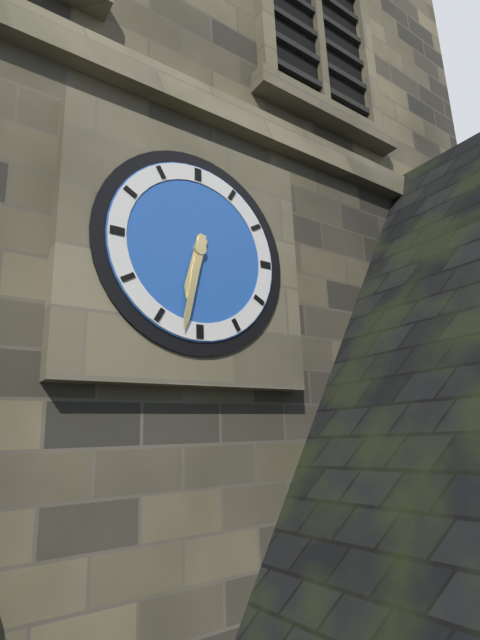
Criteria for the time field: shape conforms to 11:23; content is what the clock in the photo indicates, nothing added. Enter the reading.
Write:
6:32
